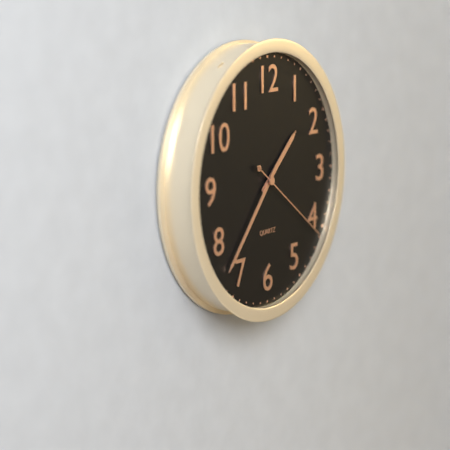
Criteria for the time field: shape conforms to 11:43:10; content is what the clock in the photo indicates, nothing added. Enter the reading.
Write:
1:37:21
